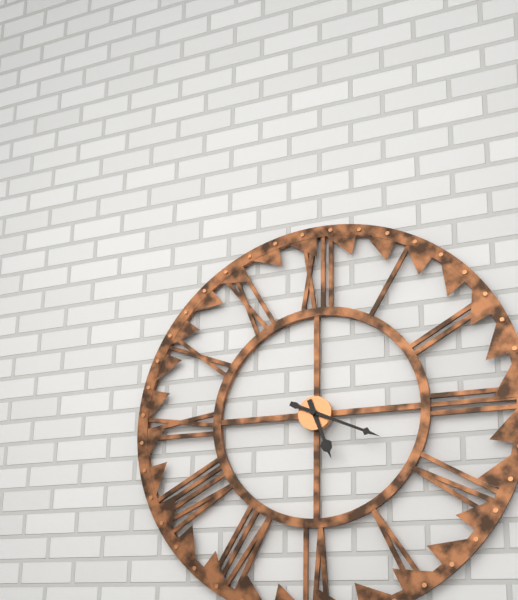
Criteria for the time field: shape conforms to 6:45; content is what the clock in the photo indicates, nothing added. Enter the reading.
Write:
5:19
